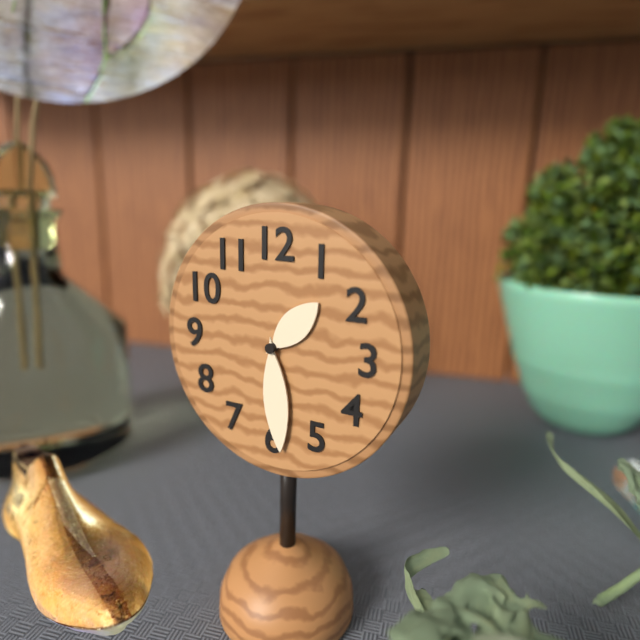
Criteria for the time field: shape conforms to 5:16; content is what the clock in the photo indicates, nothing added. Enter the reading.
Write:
1:29
